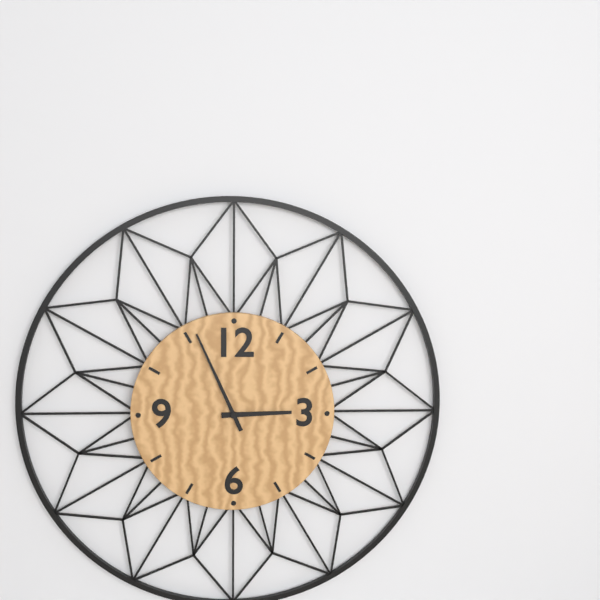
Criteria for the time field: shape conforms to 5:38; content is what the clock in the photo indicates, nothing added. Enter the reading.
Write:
2:56
